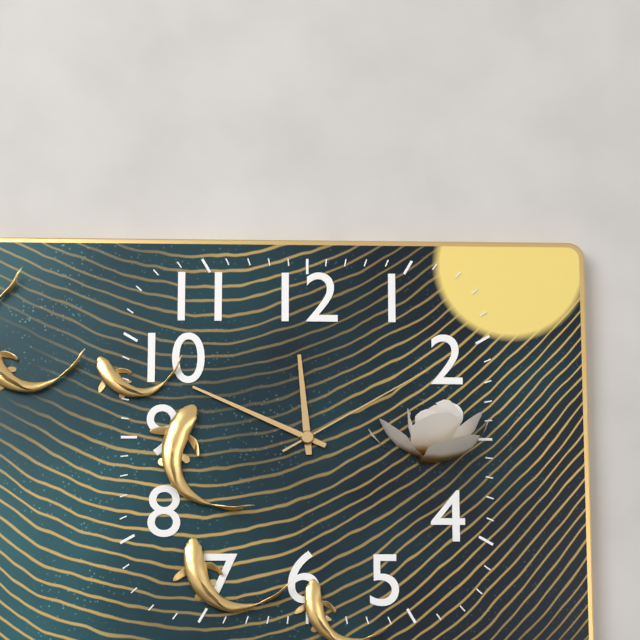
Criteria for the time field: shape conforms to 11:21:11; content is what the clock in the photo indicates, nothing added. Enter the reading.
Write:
11:49:10
